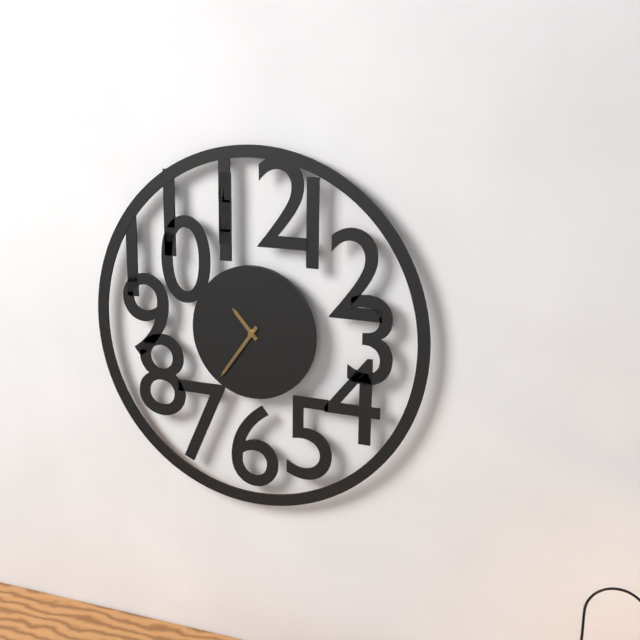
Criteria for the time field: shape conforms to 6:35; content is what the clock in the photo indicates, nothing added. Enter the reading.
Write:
10:36
